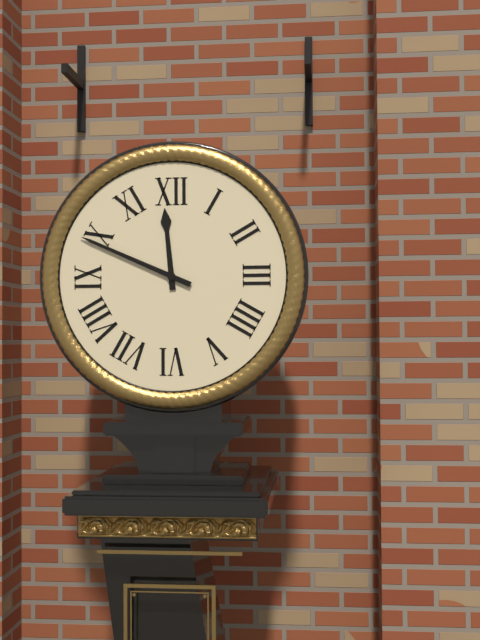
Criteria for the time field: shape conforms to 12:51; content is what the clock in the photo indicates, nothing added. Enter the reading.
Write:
11:49
